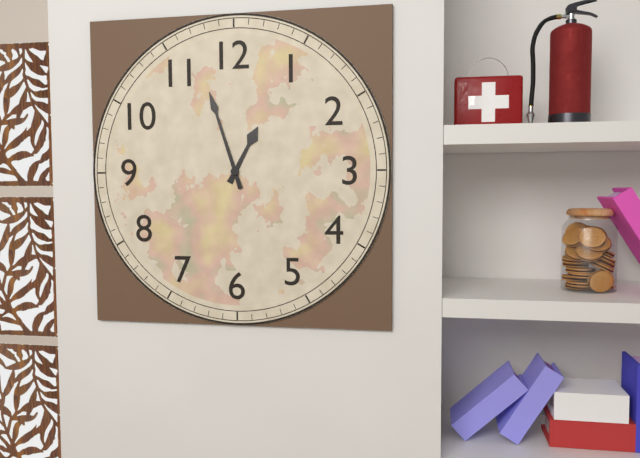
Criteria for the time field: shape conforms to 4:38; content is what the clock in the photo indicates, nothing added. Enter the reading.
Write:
12:57
